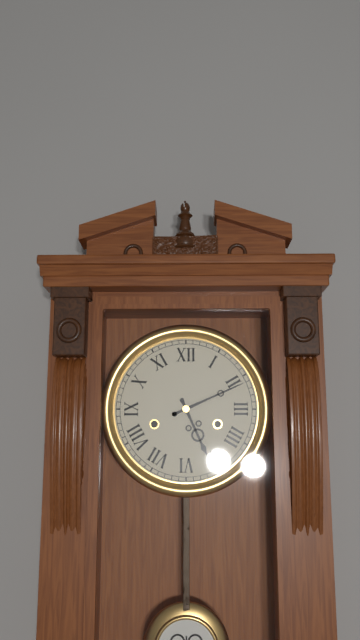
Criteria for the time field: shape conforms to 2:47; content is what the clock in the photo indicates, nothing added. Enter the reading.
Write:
5:11
